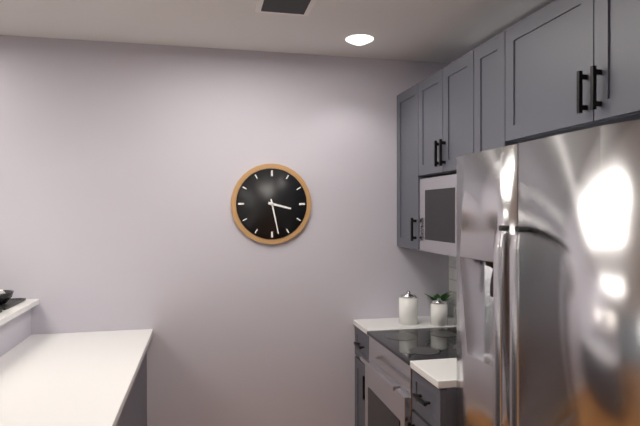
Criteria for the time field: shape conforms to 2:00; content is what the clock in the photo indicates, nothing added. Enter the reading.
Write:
3:28
